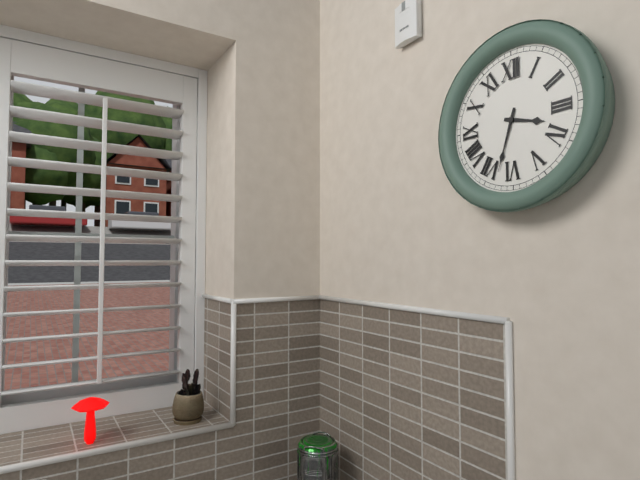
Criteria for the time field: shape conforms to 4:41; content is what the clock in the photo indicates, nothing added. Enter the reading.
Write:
3:33
